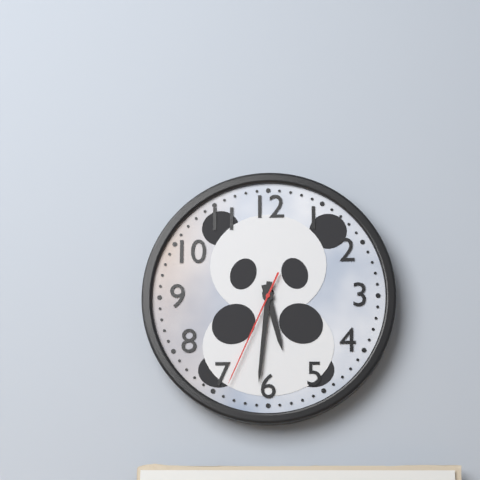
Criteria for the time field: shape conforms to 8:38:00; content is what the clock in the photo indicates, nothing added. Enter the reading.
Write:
5:31:34
